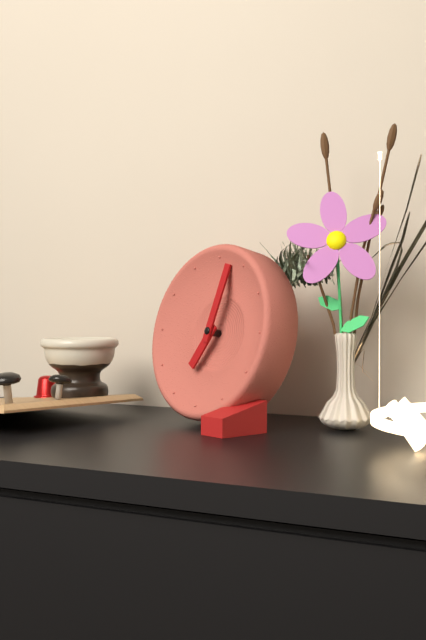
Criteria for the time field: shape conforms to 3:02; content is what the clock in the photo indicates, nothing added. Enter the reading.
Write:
7:02
